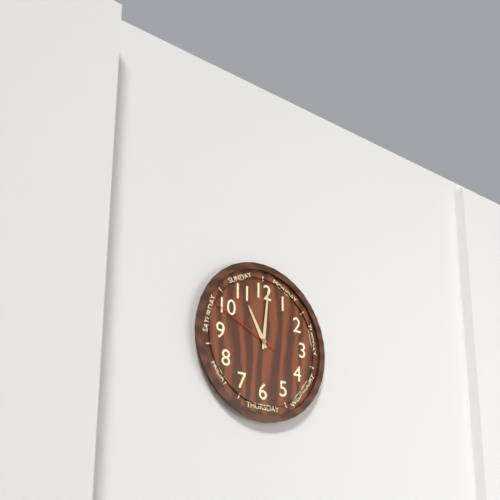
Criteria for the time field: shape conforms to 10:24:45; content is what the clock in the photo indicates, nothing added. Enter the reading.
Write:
11:01:49
